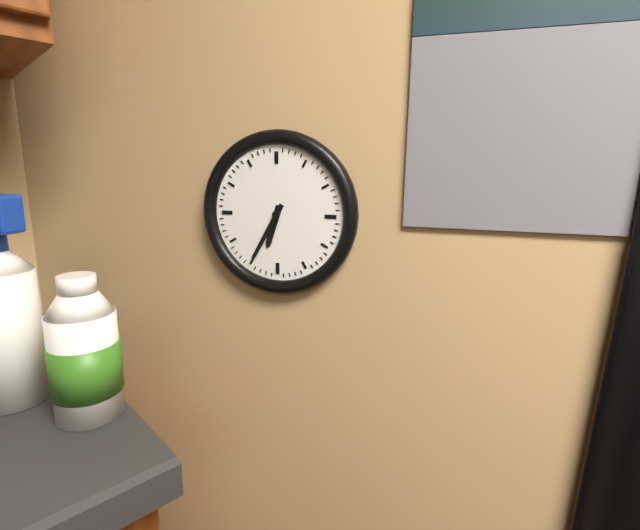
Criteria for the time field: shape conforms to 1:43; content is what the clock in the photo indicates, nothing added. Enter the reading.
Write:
6:35
